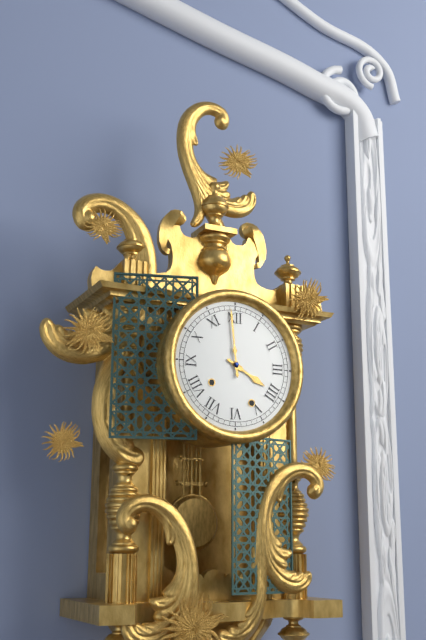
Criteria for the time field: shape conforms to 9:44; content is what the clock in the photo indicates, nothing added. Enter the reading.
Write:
3:59
